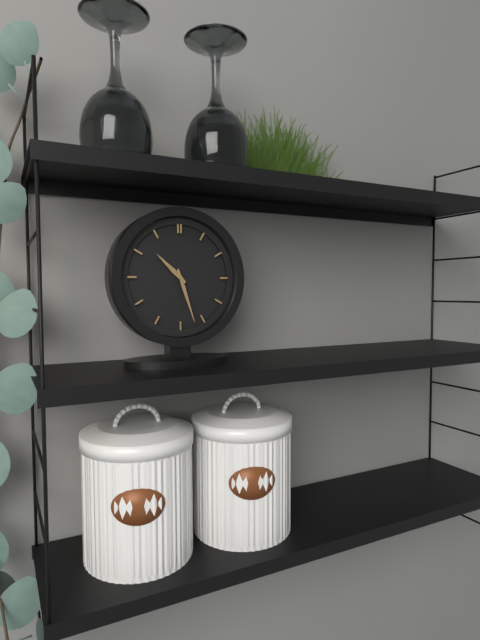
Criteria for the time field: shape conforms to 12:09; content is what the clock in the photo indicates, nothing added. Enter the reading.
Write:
10:27
